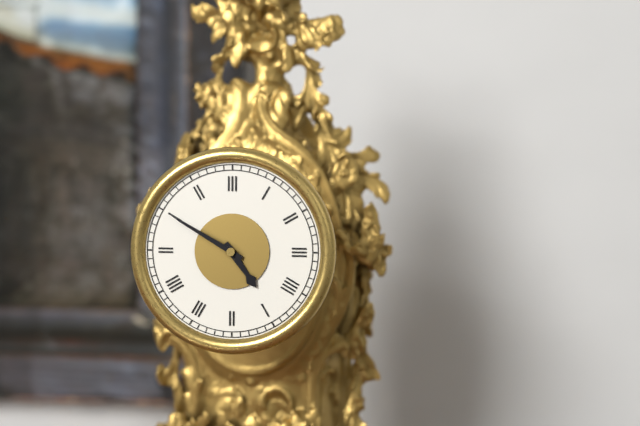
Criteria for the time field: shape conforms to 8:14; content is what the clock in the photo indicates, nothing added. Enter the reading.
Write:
4:50
